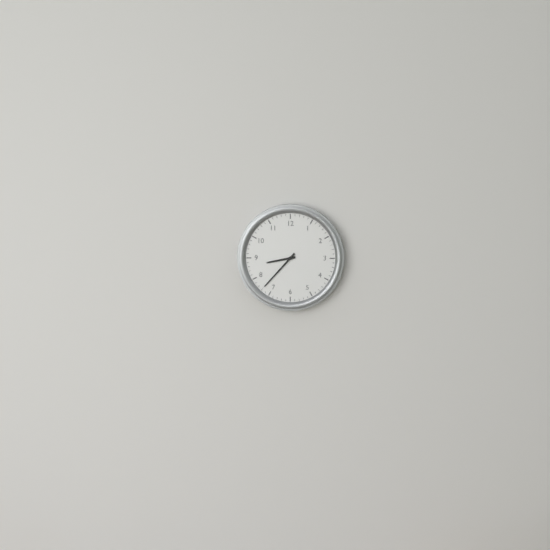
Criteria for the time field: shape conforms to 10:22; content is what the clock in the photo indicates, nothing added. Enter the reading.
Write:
8:37
